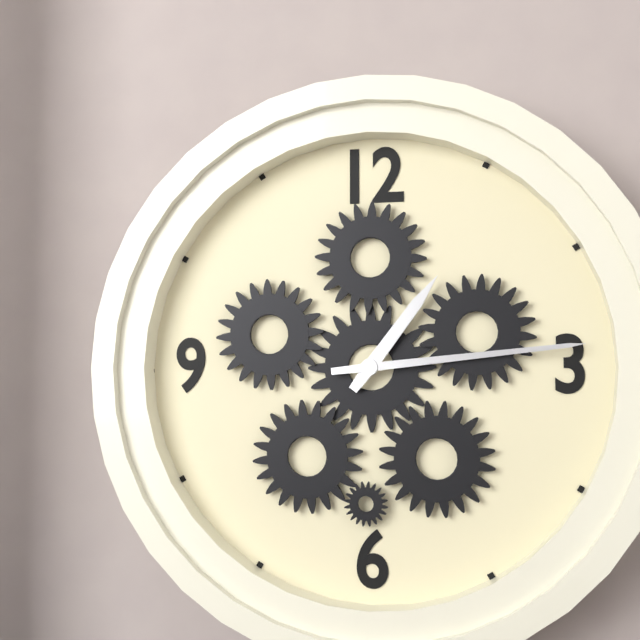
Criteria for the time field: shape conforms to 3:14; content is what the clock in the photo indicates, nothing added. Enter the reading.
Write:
1:14
